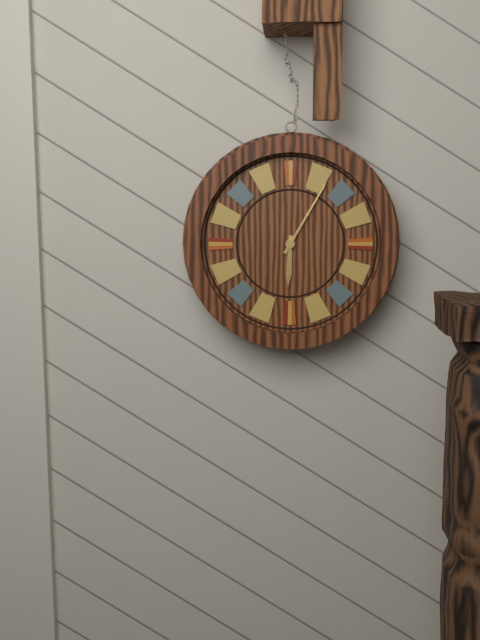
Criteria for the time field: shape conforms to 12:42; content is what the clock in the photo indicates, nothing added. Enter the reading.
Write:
6:05
